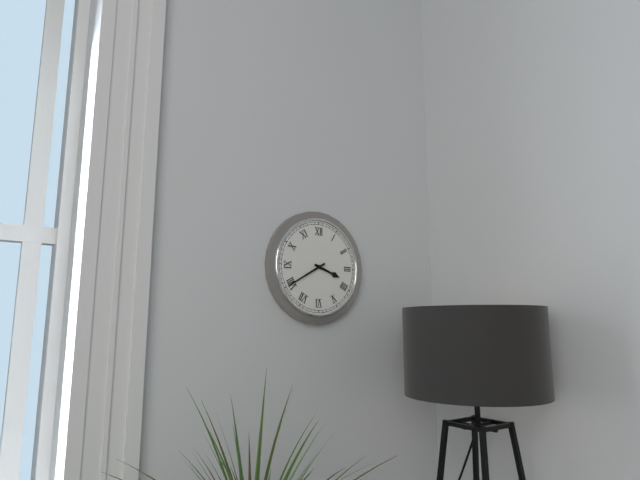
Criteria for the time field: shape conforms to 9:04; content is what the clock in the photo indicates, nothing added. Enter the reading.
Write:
3:40
